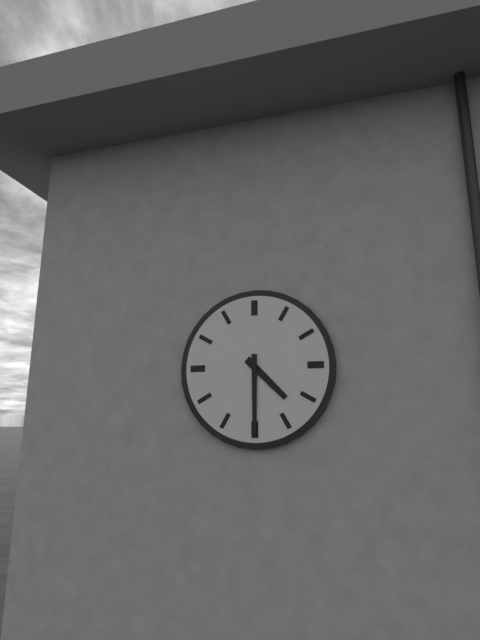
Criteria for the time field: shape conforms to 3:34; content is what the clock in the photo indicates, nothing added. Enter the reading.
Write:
4:30
